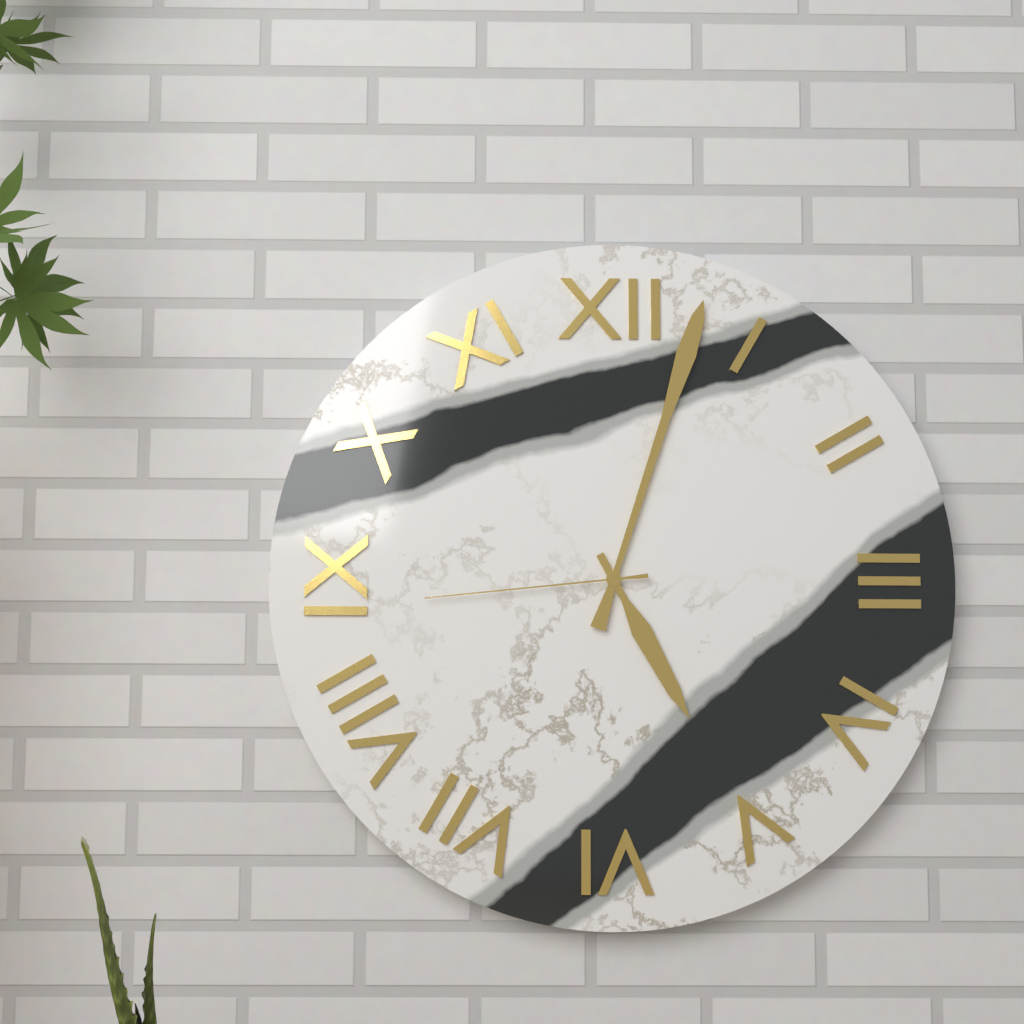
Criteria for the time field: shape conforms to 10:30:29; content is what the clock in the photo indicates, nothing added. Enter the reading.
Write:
5:03:44
